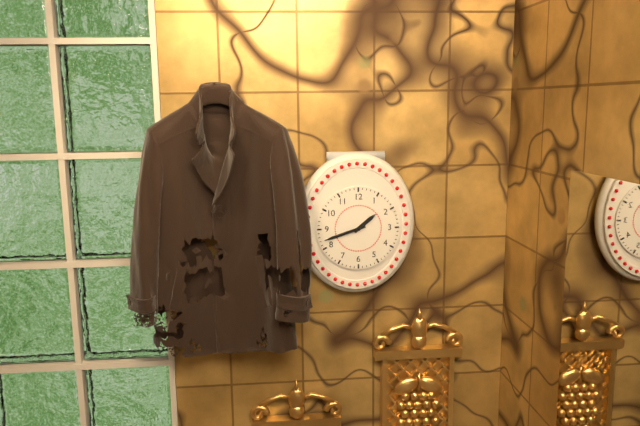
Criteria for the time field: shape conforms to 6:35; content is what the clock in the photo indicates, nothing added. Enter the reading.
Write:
1:42
